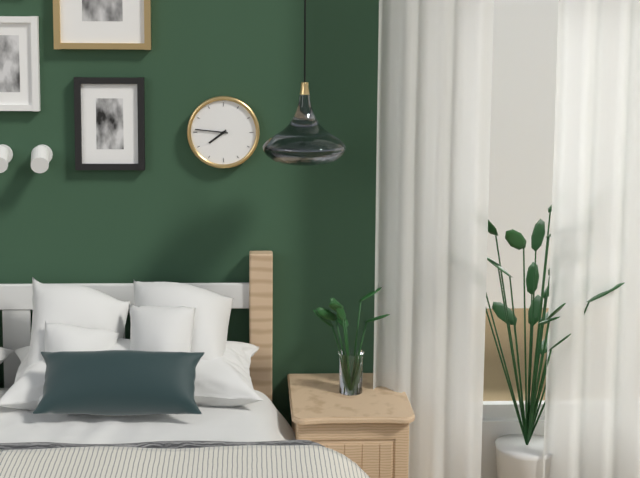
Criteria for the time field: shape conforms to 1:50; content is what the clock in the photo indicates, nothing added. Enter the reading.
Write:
7:46
